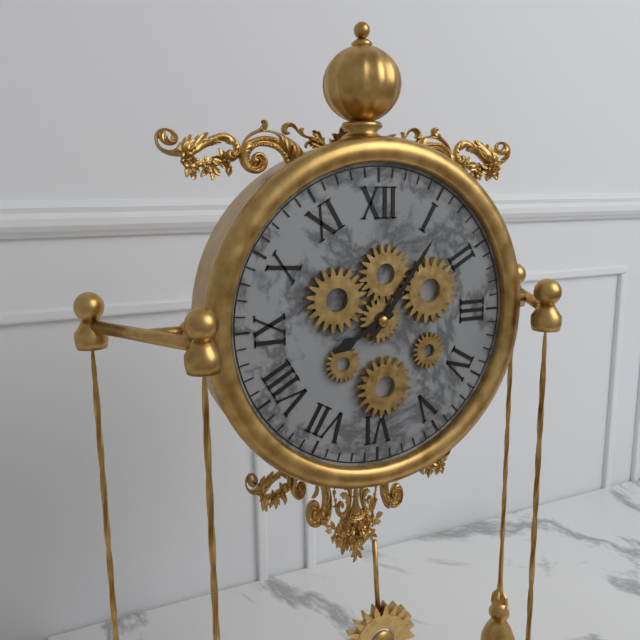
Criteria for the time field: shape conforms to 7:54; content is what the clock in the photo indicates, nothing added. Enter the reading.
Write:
8:06
